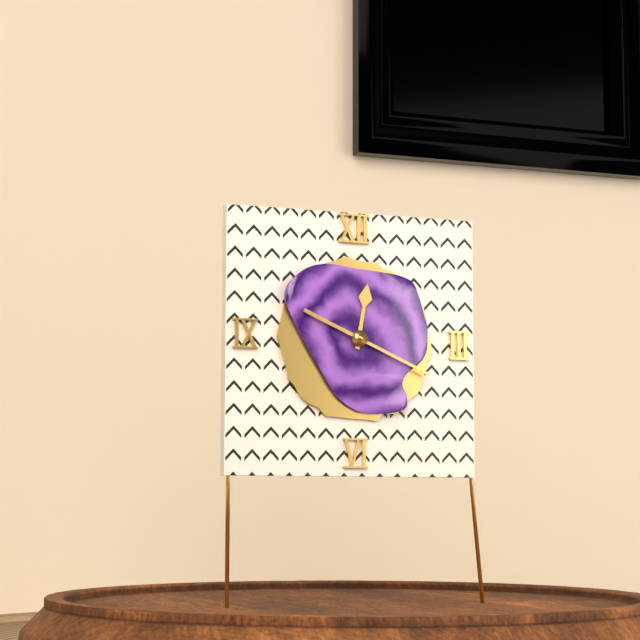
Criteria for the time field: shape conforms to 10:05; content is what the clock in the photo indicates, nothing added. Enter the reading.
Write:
12:19
